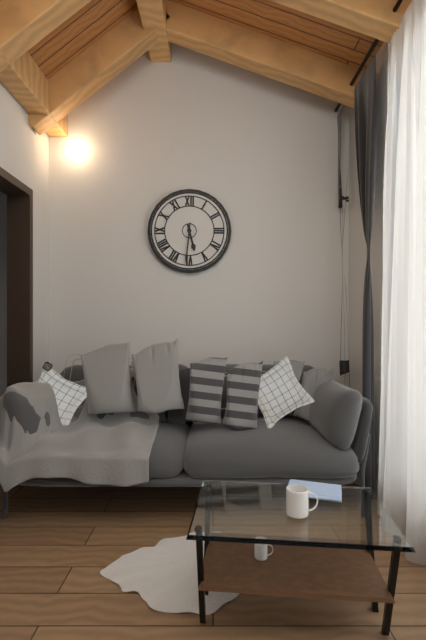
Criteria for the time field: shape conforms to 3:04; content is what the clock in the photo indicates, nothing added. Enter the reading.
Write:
5:31
